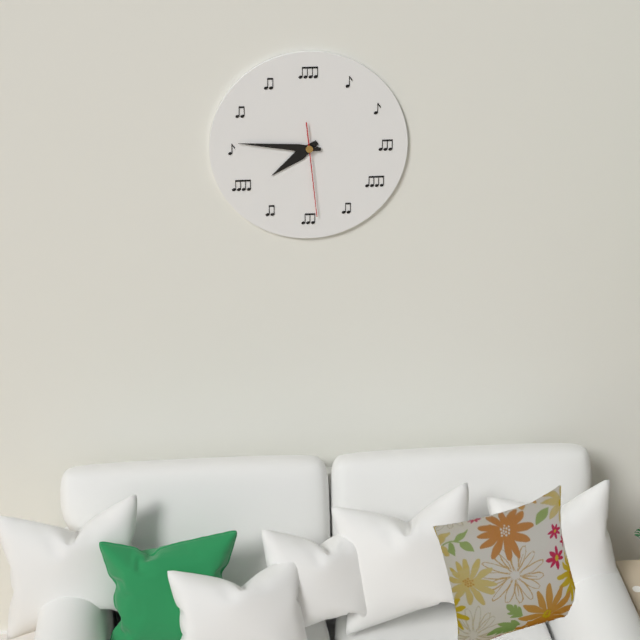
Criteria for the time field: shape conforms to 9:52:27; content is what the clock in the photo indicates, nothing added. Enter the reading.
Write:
7:46:29
